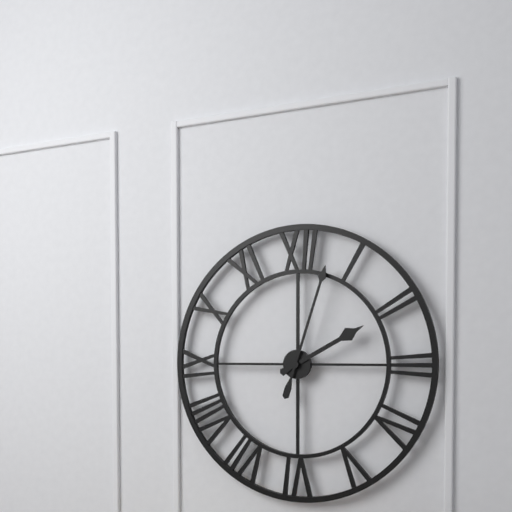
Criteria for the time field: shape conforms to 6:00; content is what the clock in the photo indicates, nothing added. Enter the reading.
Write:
2:03
